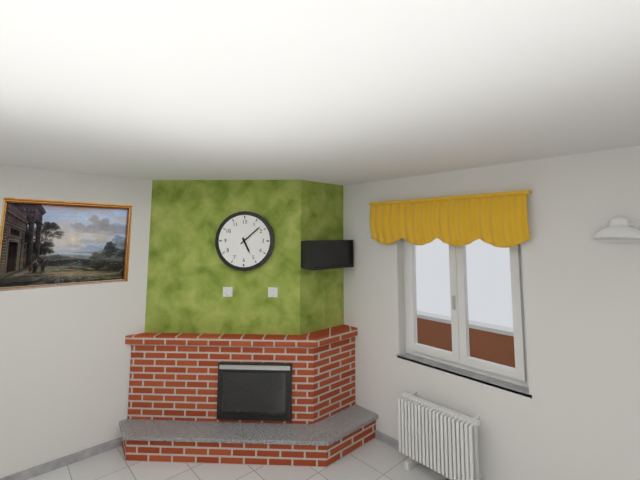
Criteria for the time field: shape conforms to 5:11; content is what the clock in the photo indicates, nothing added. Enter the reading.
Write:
5:08
